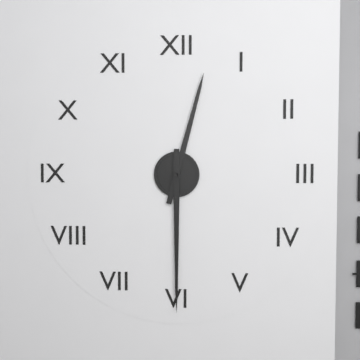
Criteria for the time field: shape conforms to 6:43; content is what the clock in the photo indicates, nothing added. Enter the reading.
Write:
12:30
